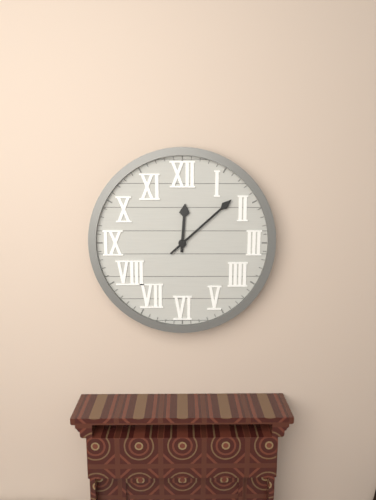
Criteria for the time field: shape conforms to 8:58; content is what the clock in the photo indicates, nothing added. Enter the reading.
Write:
12:08
